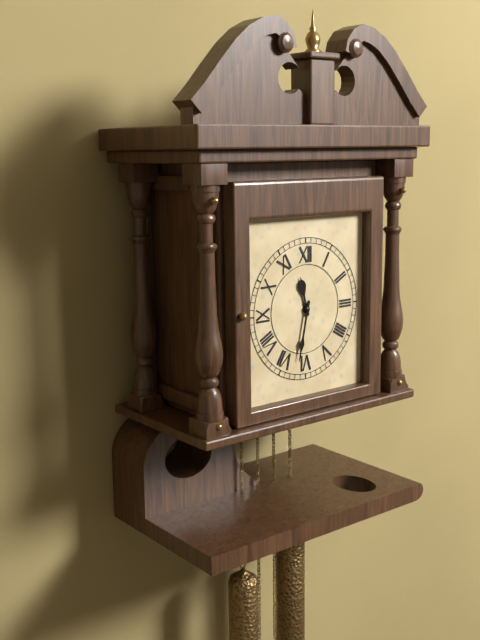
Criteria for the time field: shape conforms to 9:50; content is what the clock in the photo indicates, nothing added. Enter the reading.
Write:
11:32
